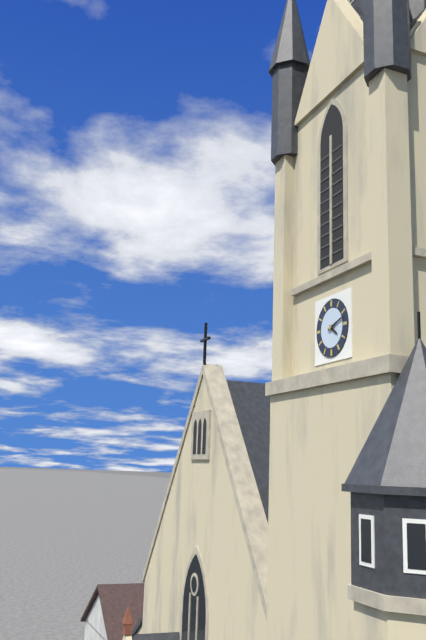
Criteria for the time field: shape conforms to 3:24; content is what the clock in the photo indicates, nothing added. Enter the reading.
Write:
4:12
